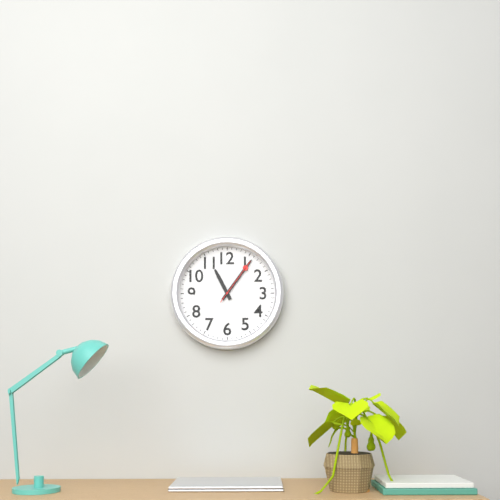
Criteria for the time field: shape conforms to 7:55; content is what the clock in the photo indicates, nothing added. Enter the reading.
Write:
11:06
